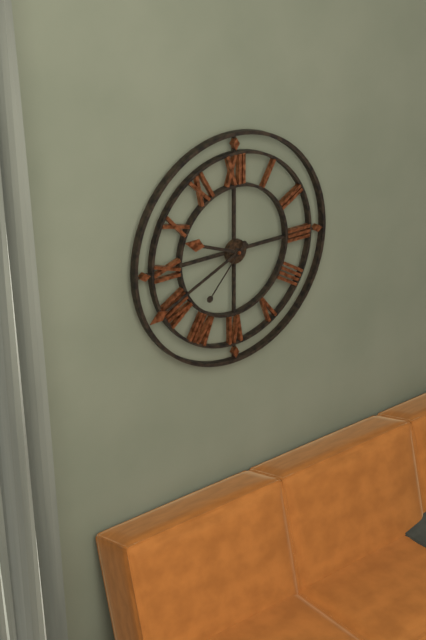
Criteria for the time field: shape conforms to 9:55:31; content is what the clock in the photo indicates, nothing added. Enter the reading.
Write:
9:41:37
